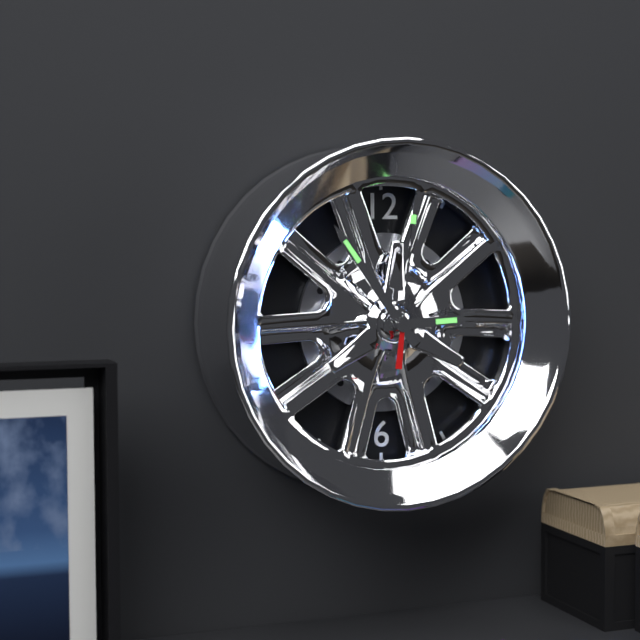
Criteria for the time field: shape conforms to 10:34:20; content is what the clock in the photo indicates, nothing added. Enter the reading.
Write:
2:54:01
